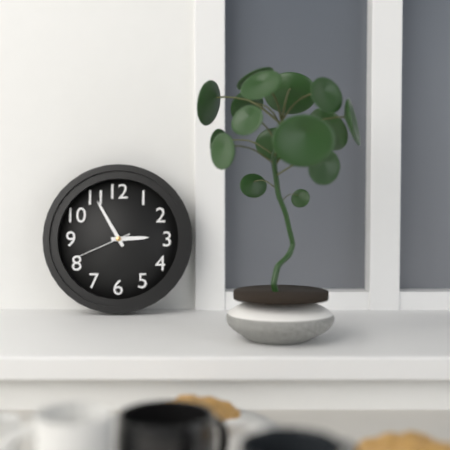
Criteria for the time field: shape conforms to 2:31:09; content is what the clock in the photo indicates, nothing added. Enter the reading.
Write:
2:55:41
